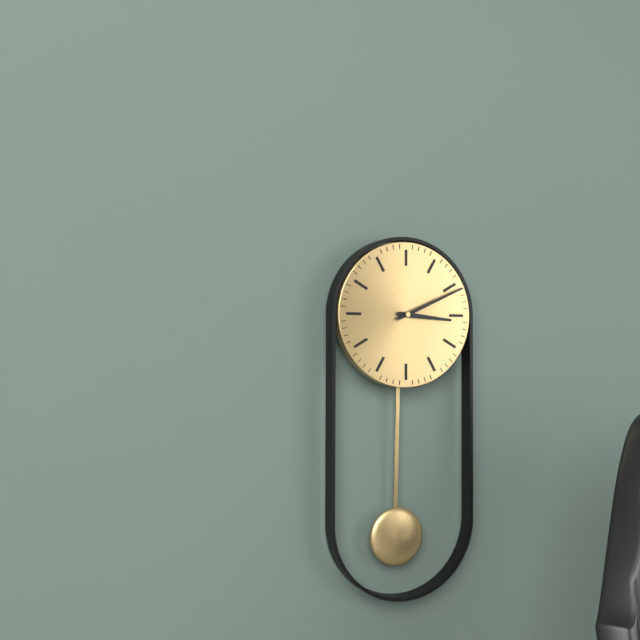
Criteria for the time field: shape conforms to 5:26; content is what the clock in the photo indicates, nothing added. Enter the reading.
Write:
3:11
